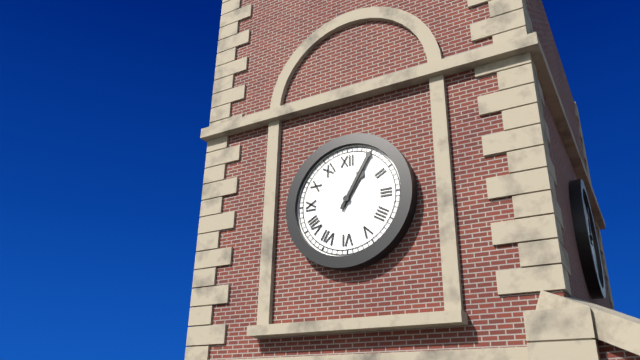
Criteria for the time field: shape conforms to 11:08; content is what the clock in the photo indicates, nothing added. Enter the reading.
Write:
1:05
